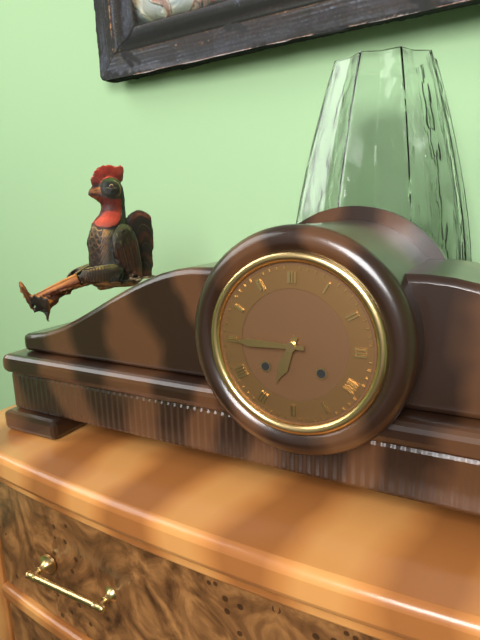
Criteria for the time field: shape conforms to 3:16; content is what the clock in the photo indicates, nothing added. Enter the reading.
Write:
6:45
